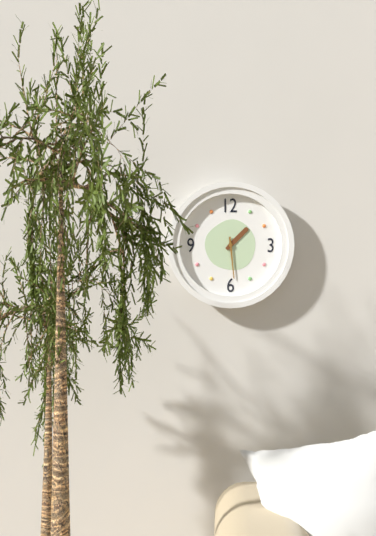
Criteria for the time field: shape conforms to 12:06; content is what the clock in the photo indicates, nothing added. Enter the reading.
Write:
1:29
